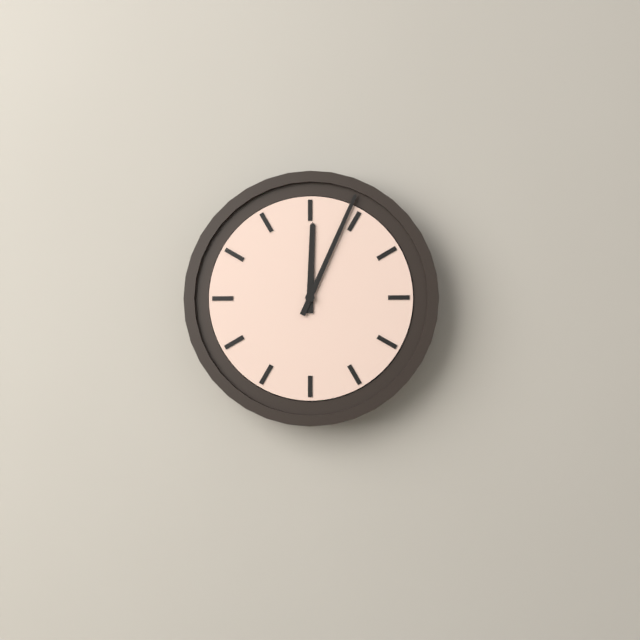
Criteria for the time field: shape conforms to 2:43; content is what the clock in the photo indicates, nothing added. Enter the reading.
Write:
12:04
